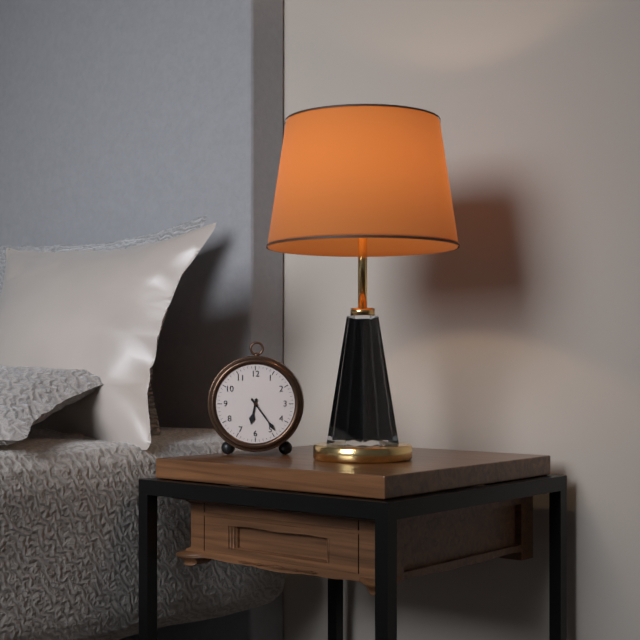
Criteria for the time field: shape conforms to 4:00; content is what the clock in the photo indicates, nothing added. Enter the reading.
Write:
6:24
